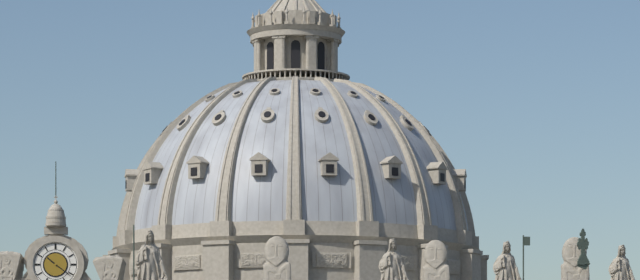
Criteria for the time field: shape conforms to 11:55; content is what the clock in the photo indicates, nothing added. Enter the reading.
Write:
10:21
